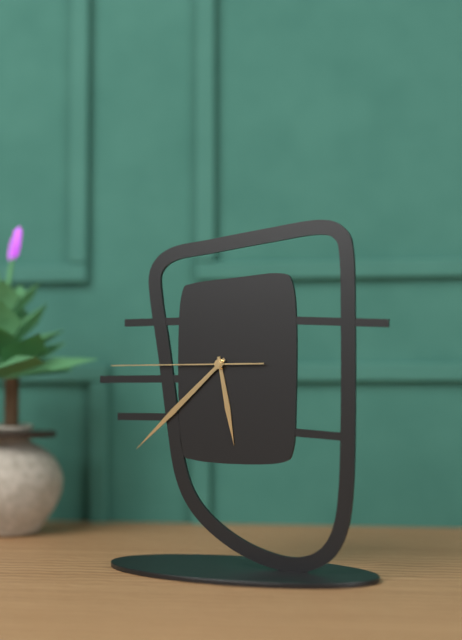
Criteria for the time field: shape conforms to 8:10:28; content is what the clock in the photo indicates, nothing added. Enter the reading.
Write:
5:38:45
